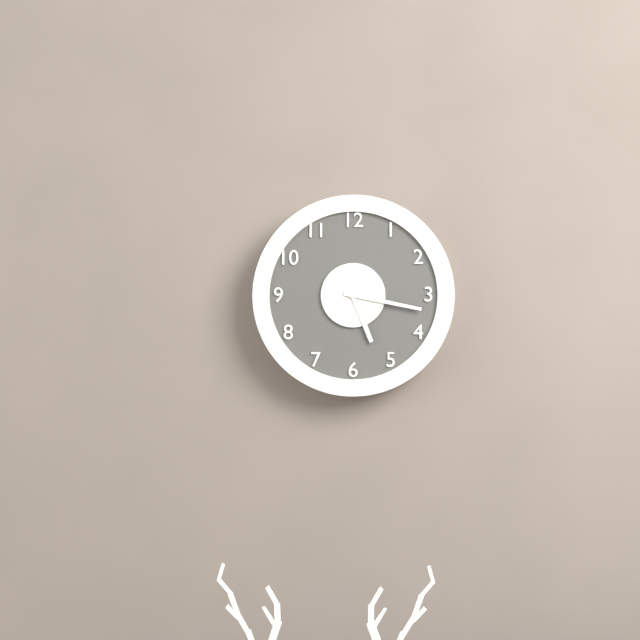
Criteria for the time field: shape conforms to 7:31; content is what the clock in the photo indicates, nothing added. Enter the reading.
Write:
5:17
